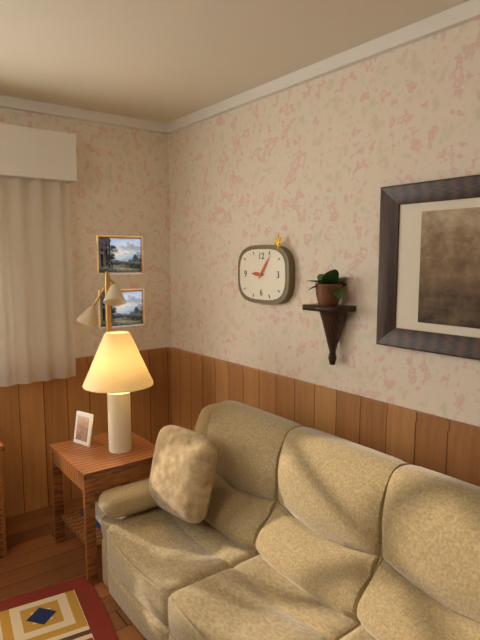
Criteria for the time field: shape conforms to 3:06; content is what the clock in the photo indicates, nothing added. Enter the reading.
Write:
9:06
